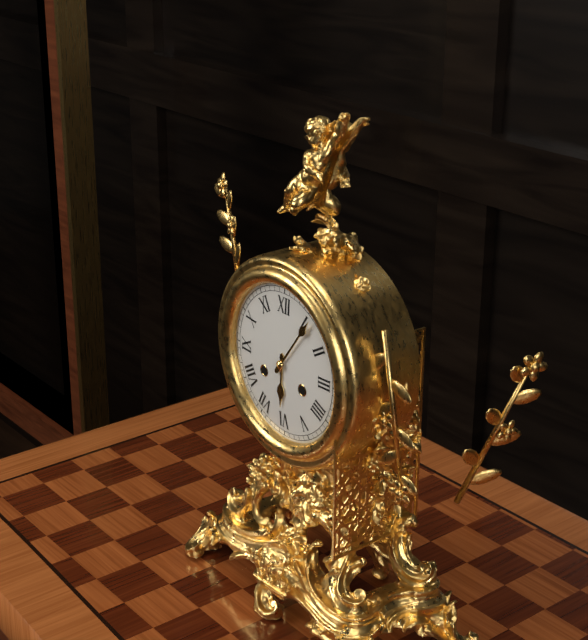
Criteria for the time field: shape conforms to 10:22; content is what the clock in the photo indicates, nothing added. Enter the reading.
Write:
6:06
